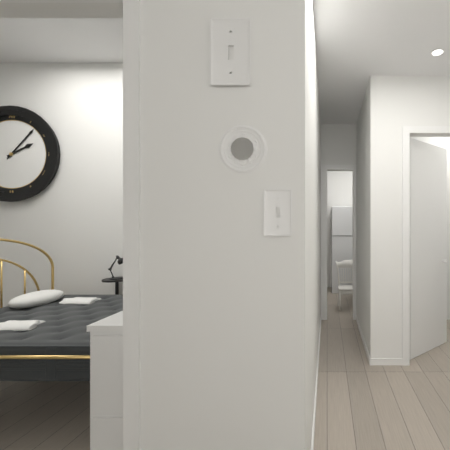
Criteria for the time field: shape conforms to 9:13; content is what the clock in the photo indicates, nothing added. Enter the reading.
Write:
2:07
